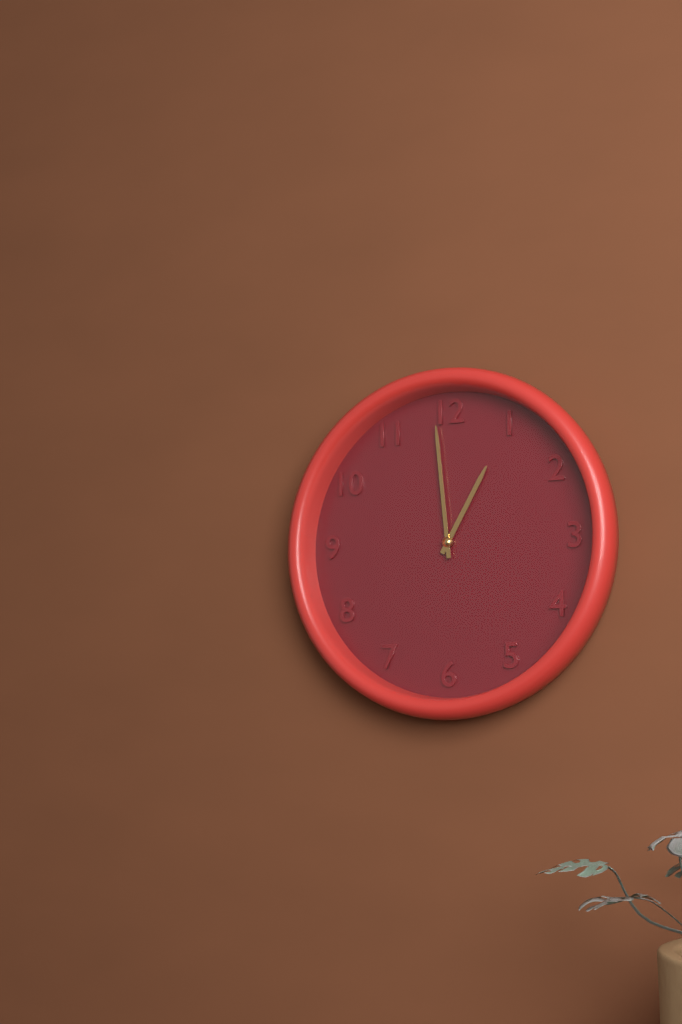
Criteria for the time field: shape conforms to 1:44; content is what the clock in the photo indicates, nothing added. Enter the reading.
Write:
12:59
